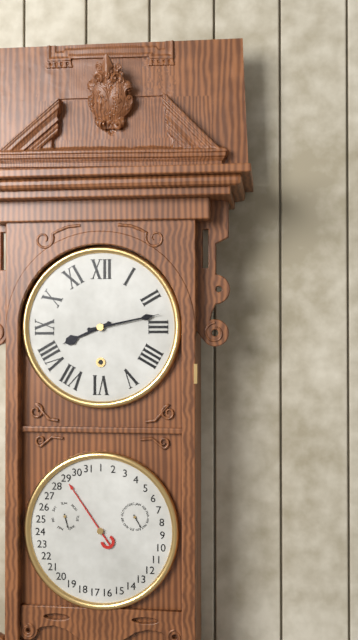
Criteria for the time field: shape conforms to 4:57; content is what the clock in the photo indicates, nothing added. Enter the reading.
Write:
8:13
